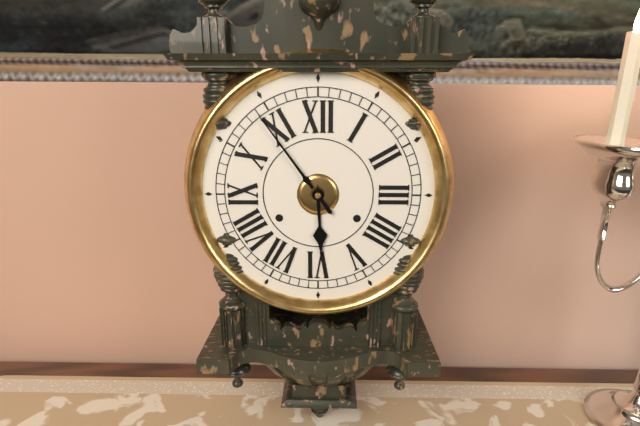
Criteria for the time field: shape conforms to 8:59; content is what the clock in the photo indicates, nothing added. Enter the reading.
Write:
5:54
